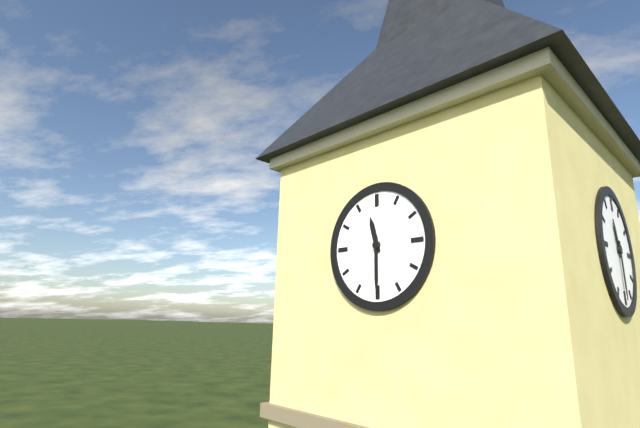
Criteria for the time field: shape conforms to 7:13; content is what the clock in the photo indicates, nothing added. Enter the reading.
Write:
11:30
